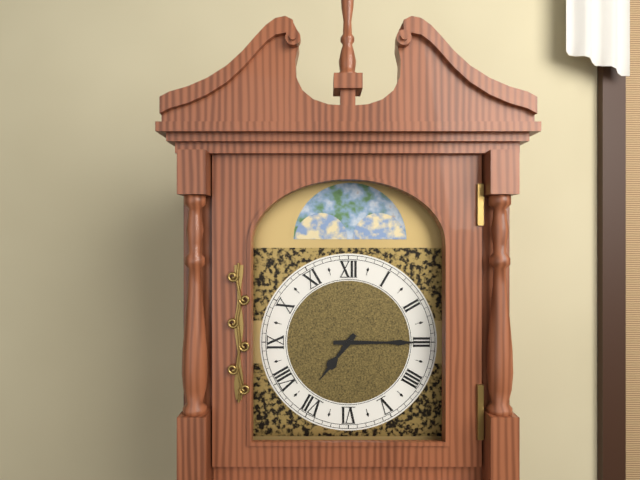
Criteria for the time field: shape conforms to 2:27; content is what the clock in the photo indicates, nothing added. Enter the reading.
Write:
7:15
